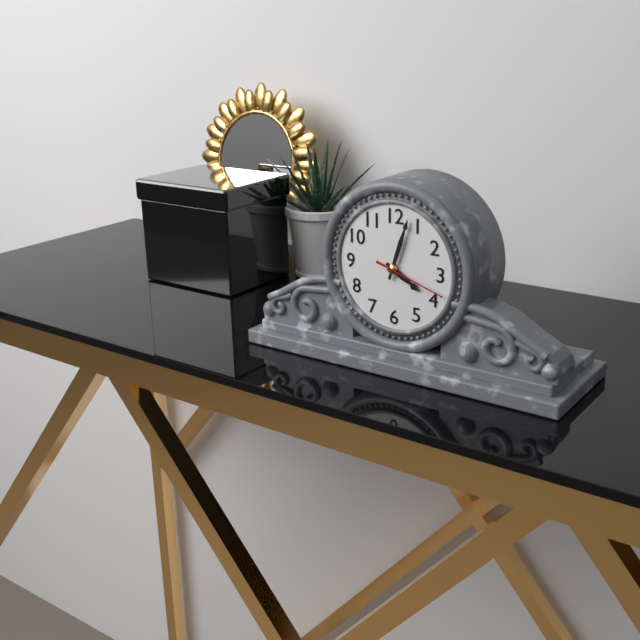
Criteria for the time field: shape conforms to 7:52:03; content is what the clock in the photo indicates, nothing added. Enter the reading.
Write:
4:03:18
